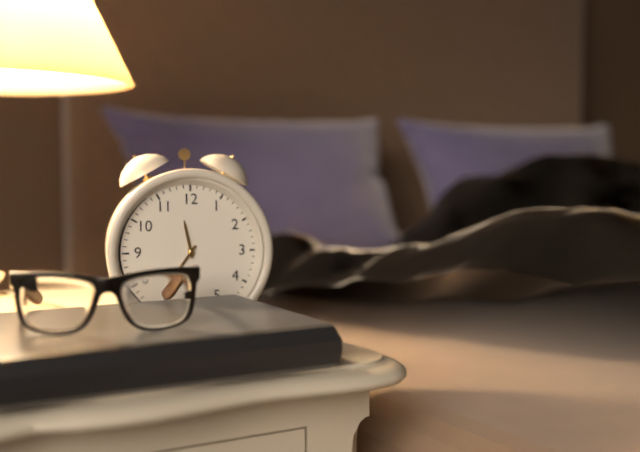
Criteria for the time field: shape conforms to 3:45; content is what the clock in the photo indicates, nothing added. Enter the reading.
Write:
11:36
